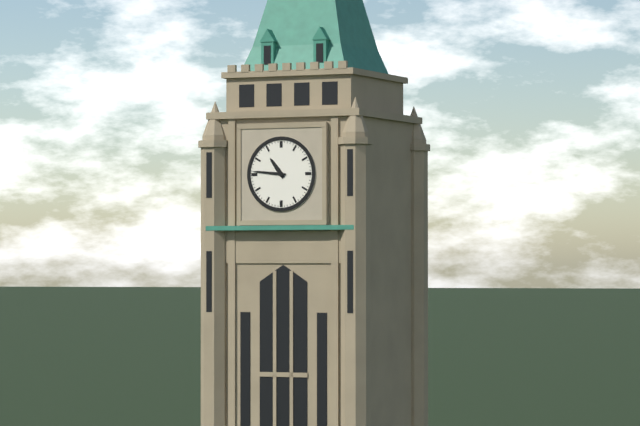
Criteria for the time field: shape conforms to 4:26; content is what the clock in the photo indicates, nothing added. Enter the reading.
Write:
10:46
